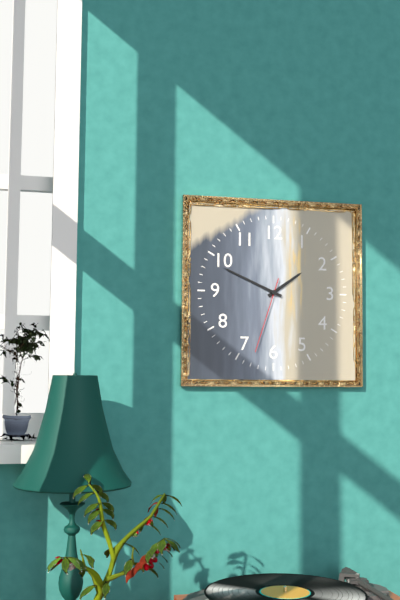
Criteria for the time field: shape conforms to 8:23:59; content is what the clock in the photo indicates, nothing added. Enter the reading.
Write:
1:49:33
